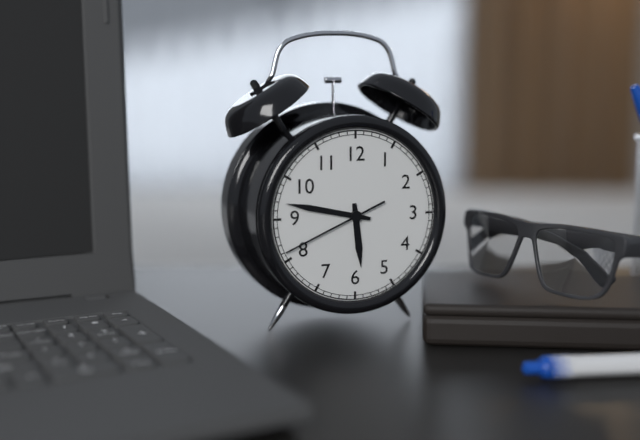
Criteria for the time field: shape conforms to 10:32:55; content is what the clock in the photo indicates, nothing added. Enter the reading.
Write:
5:47:41
